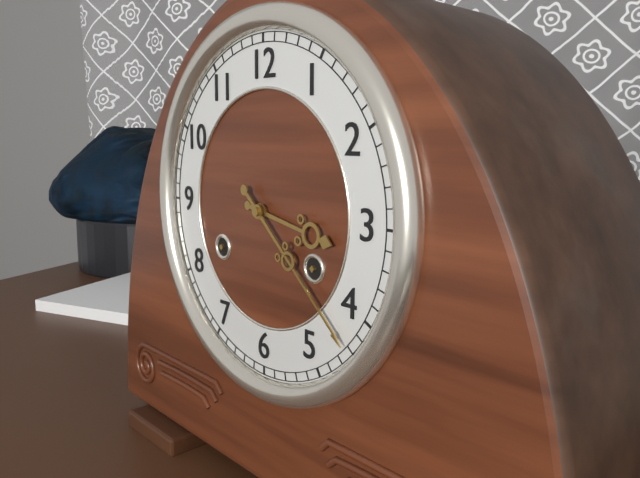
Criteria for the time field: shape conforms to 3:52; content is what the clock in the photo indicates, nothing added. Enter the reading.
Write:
3:22
